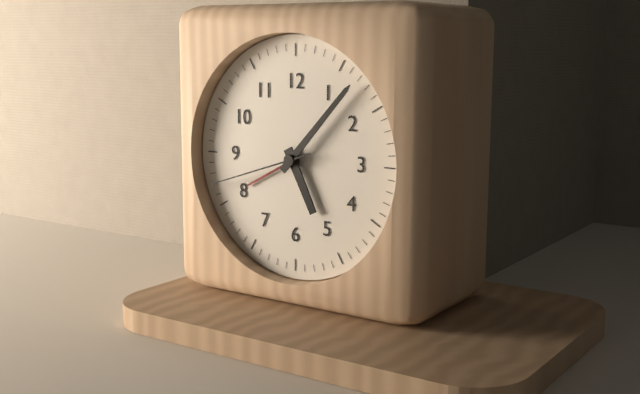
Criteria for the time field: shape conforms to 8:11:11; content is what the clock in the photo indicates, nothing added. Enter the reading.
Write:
5:07:42
